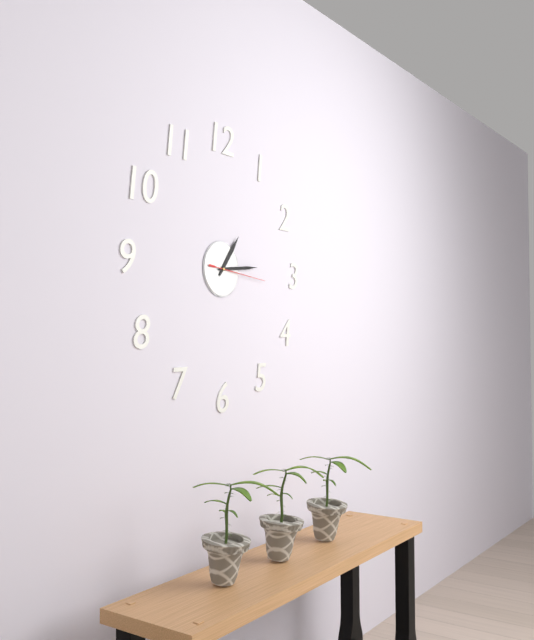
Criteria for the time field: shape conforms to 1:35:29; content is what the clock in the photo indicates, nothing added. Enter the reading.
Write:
1:14:16
